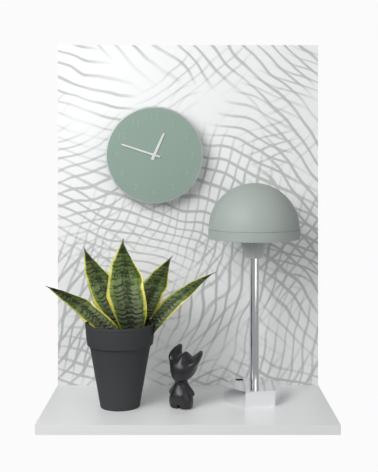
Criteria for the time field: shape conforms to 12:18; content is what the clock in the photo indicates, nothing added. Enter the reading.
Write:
12:48
